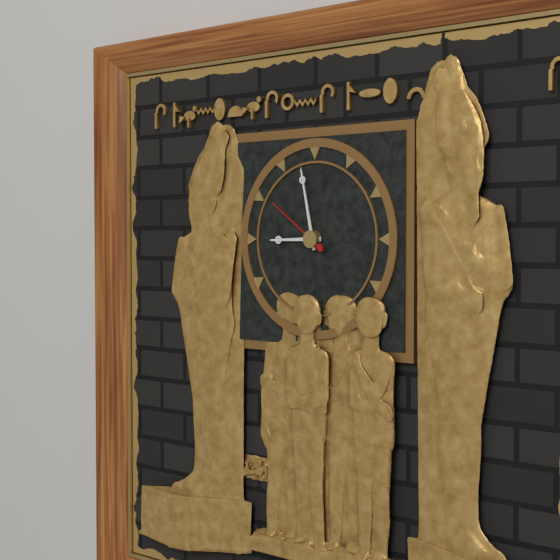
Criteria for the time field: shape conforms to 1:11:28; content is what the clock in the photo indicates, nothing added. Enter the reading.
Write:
8:58:51
